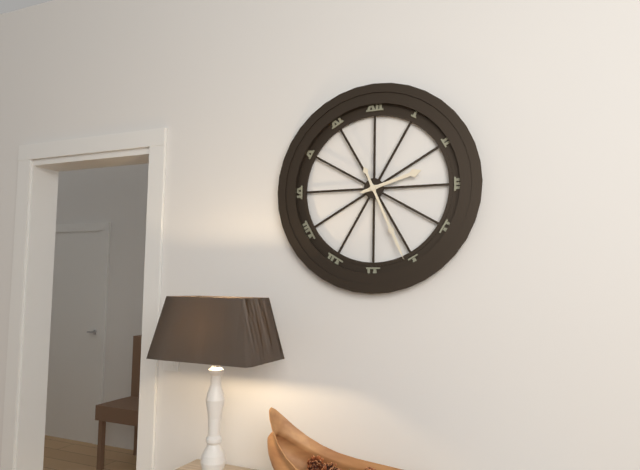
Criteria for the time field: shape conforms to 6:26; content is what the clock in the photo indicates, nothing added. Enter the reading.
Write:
2:26
